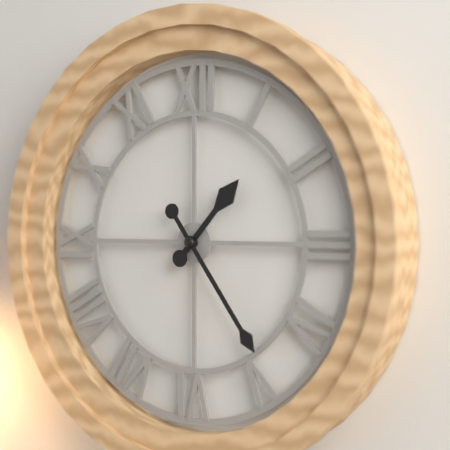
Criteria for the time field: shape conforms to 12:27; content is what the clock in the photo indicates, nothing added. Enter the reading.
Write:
1:24
